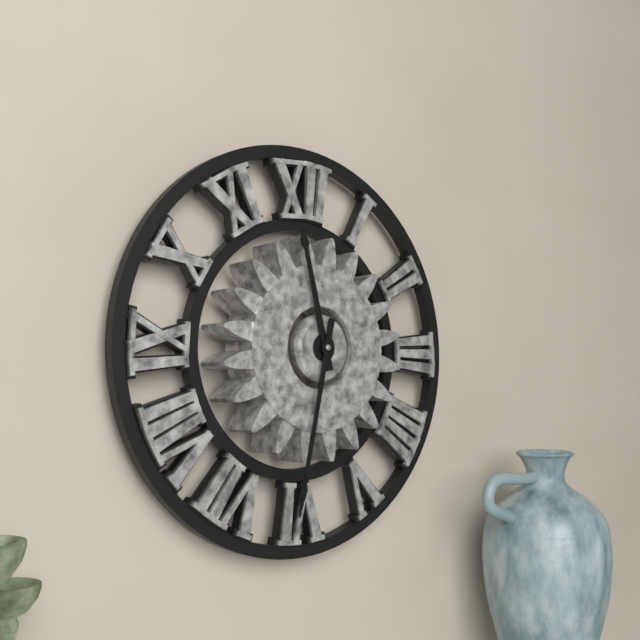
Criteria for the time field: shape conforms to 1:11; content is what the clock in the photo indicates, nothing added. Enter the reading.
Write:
11:32
